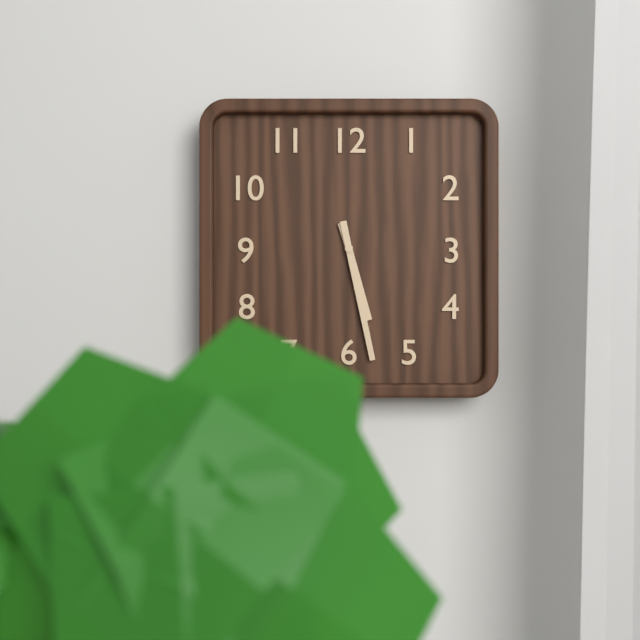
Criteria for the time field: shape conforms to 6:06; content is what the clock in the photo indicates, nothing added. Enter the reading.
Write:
5:28
